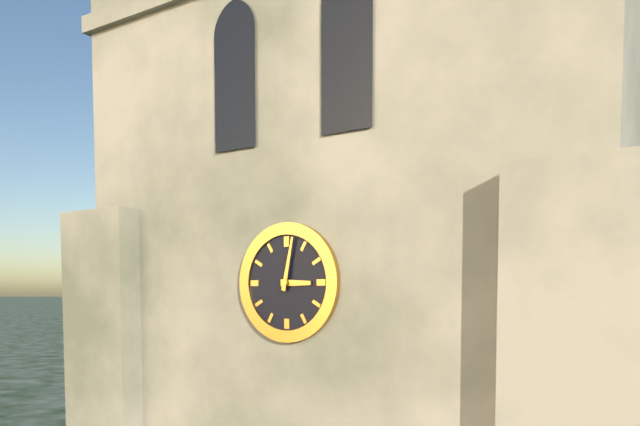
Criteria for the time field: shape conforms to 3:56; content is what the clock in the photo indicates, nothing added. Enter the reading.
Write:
3:02
